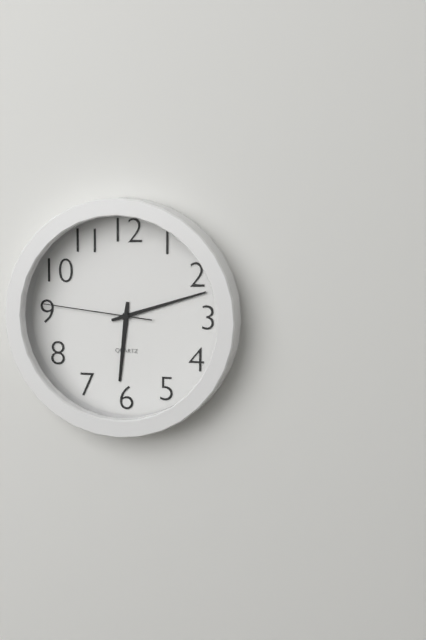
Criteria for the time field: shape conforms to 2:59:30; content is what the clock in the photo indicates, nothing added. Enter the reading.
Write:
6:12:46
